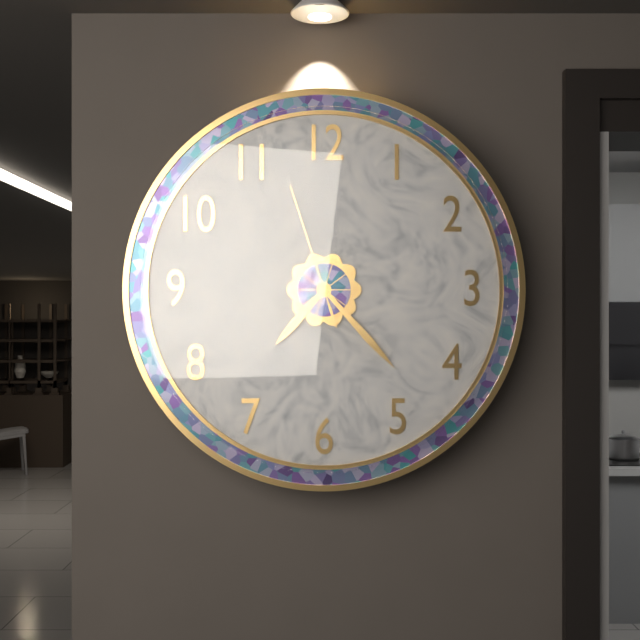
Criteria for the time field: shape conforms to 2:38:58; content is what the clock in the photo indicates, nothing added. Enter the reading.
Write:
7:23:57
